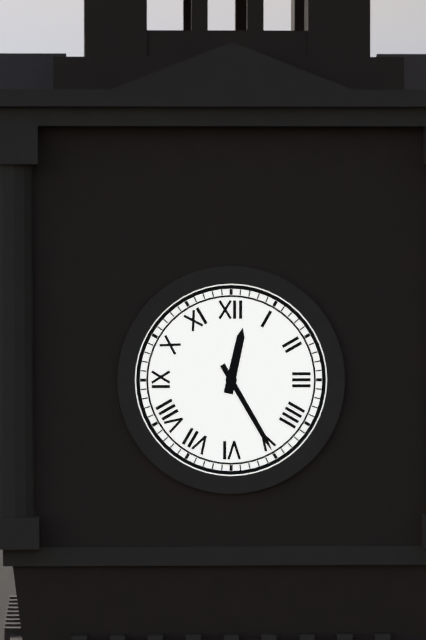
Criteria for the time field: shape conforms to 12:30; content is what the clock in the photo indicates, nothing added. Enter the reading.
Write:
12:25
